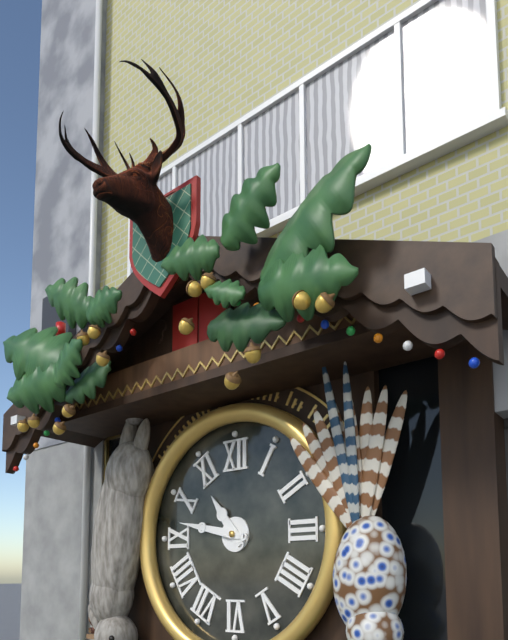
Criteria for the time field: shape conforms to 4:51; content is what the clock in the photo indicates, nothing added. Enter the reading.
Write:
10:47
